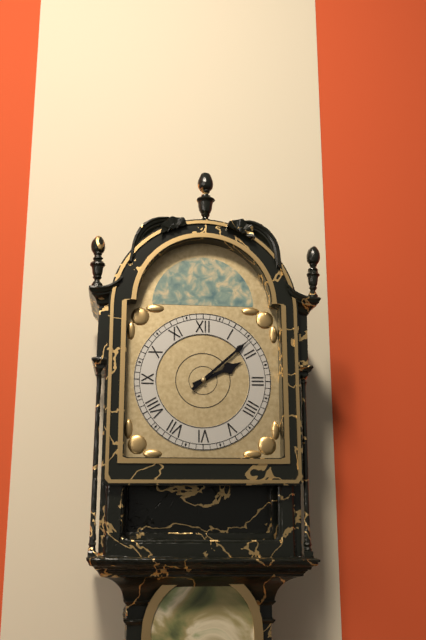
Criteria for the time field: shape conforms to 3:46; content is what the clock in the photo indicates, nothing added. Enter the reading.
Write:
2:08
